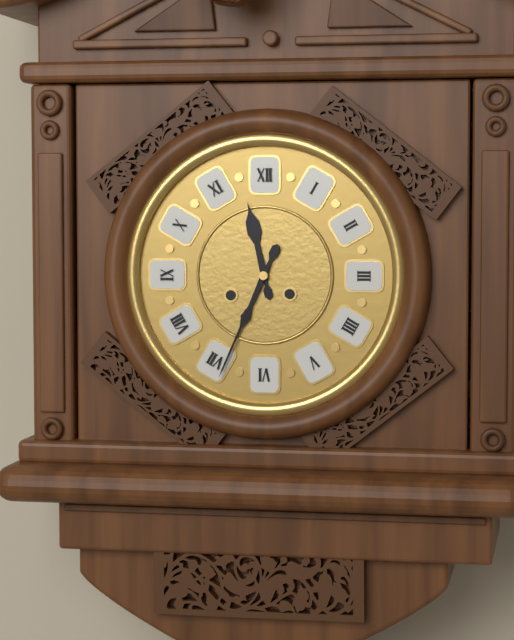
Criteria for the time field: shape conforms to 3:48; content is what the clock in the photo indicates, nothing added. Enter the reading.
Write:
11:34
